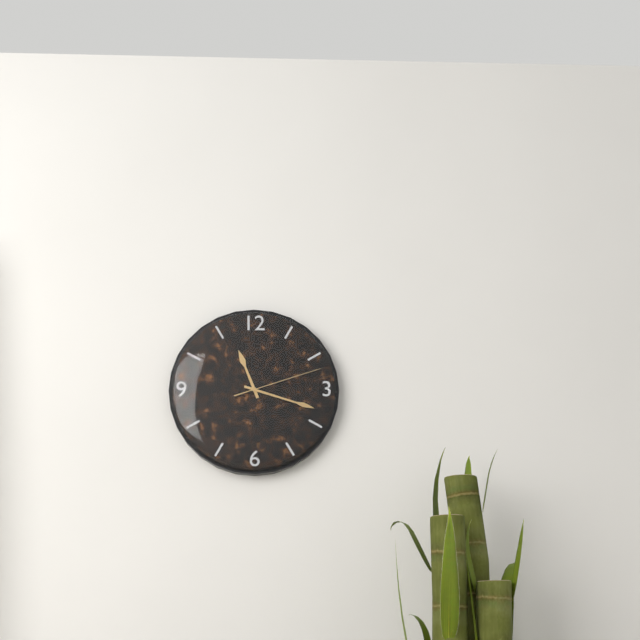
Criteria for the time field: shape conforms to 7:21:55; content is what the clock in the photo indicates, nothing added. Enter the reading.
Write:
11:18:12
